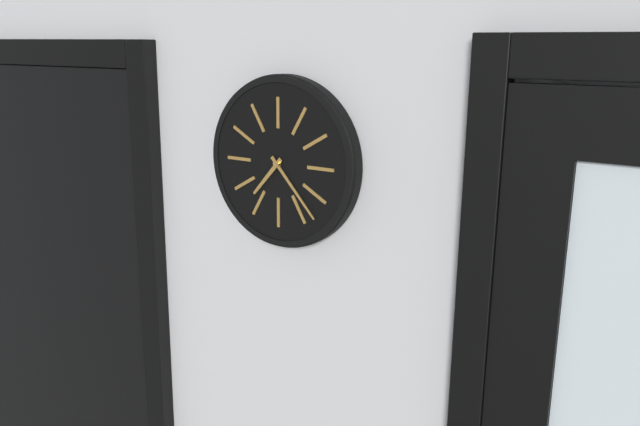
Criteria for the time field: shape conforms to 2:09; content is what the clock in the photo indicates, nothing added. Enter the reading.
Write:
7:23
